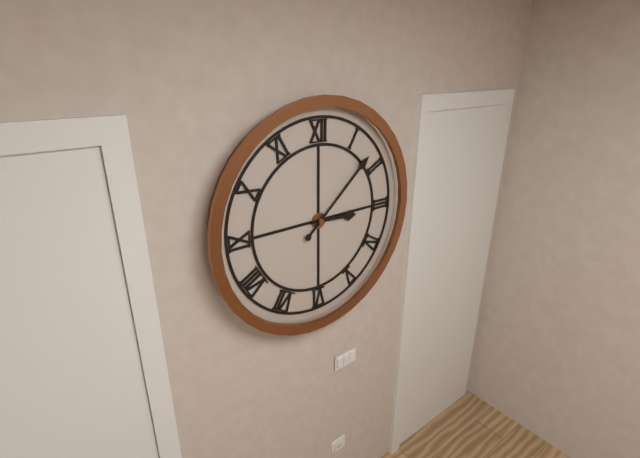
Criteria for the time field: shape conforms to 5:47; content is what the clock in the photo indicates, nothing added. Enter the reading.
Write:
3:08
